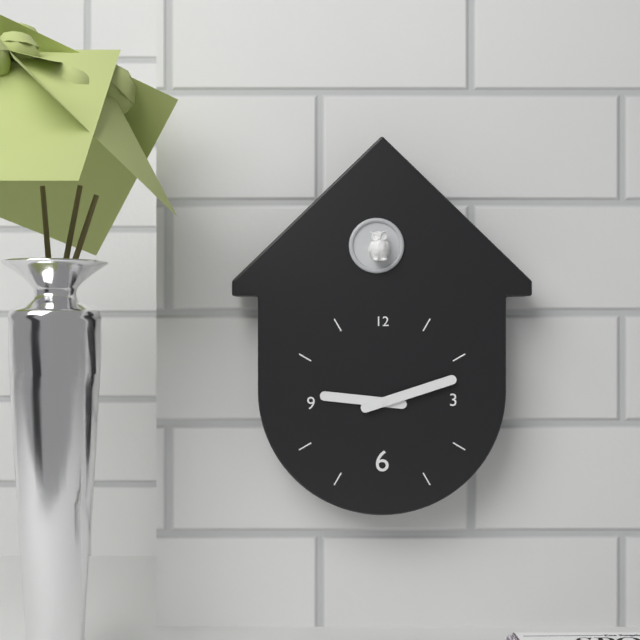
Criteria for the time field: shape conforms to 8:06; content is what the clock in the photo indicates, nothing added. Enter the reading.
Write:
9:12
